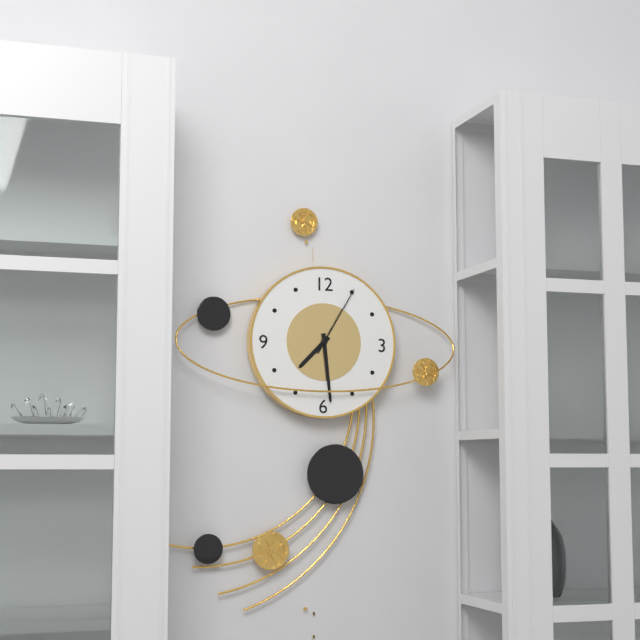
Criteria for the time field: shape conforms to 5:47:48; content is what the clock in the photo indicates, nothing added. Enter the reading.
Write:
7:29:05
